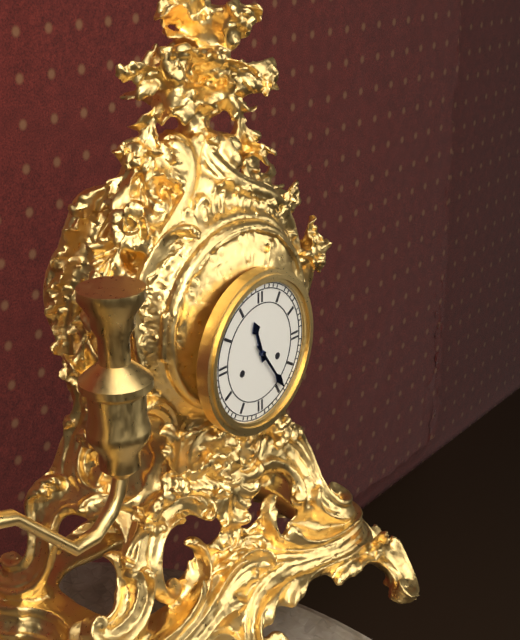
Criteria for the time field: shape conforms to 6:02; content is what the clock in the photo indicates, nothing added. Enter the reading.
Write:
11:24
